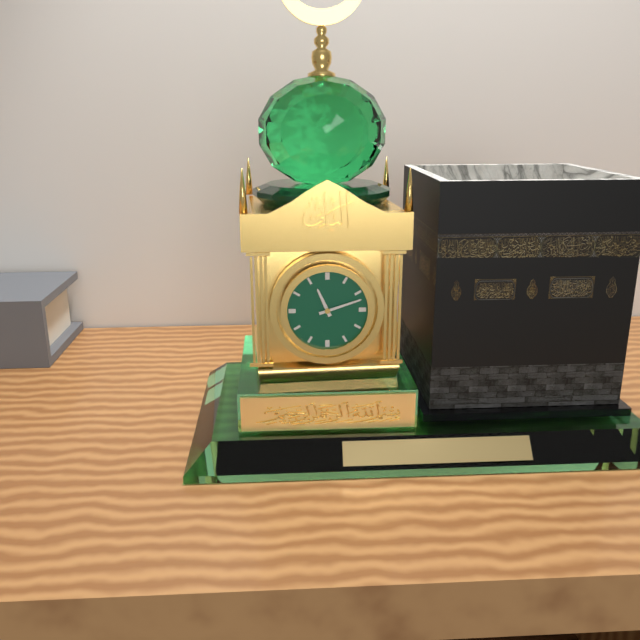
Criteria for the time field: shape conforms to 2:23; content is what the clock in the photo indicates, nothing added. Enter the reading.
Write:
11:12
